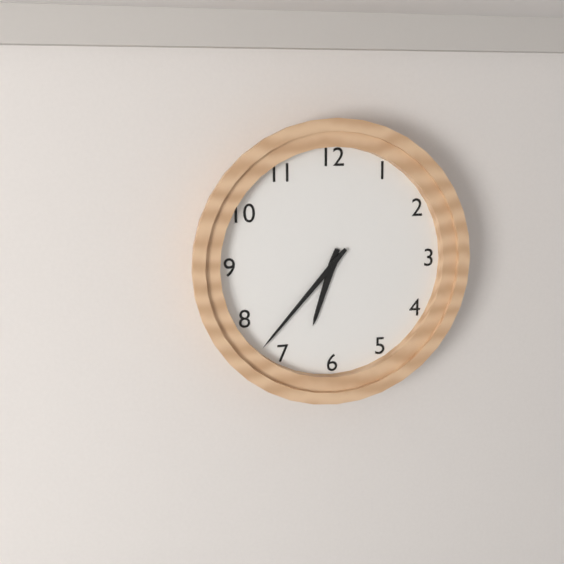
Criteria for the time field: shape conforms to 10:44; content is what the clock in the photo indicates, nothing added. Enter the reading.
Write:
6:37
